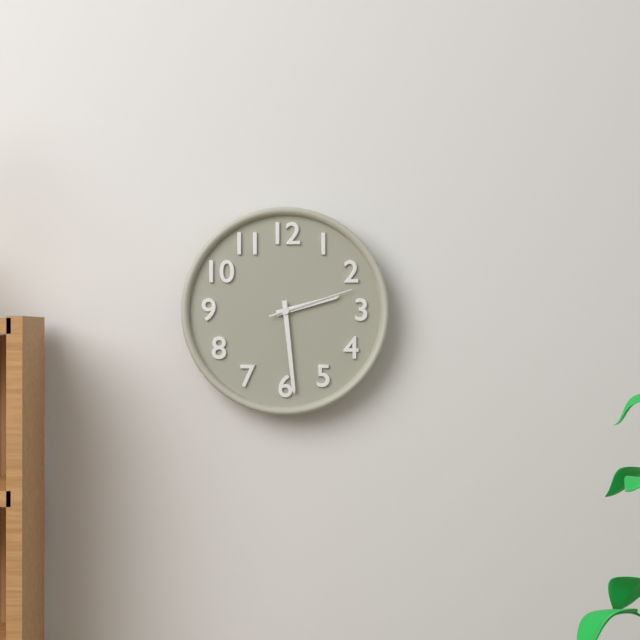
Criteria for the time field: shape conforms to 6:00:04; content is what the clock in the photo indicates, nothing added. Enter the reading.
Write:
2:29:12
